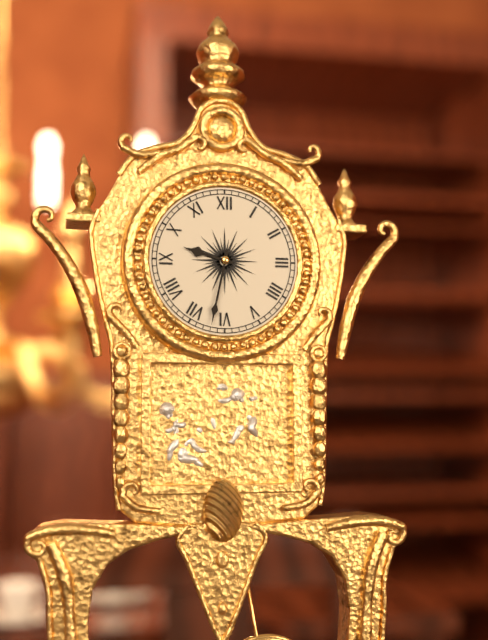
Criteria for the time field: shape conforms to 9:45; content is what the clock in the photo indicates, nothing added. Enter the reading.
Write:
9:32
